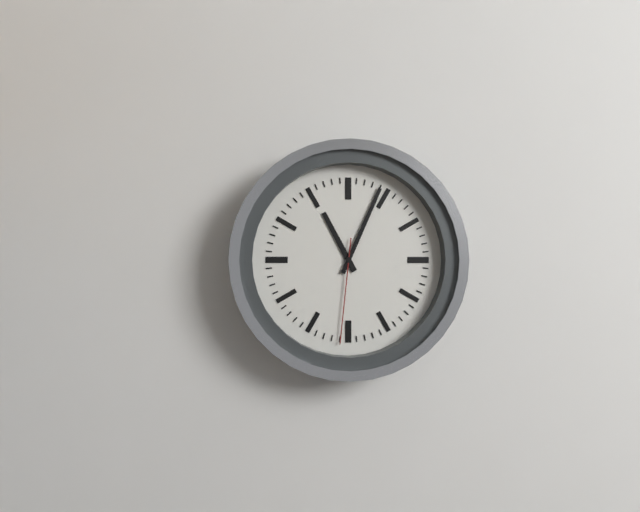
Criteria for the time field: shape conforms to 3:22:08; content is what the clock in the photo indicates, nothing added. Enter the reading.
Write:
11:04:31
